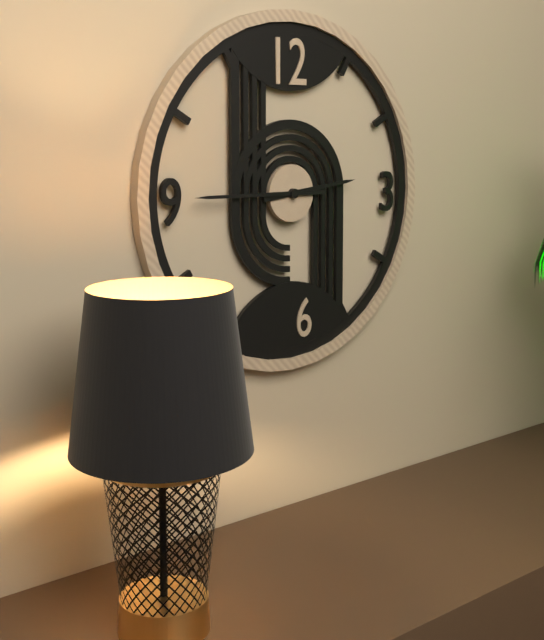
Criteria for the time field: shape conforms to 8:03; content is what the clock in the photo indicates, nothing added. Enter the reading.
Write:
2:45
